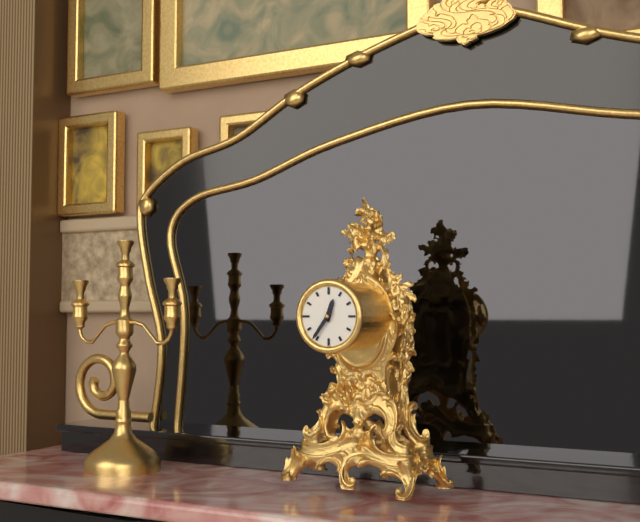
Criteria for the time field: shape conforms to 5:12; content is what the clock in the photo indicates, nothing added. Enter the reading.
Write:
12:36
